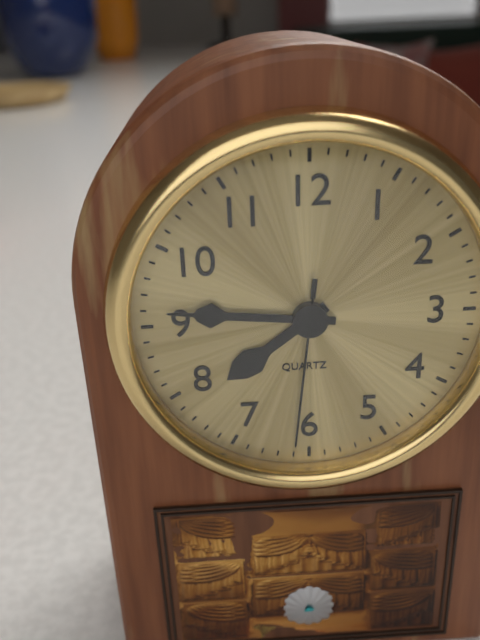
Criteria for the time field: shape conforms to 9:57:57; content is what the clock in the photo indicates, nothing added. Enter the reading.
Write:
7:46:31
